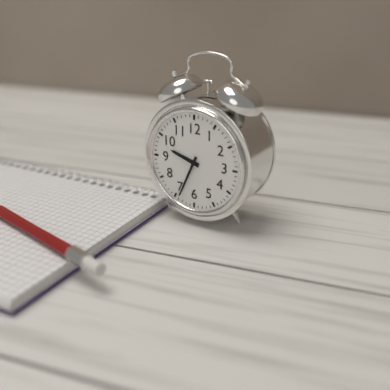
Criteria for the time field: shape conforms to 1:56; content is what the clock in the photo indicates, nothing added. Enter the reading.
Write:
9:34
